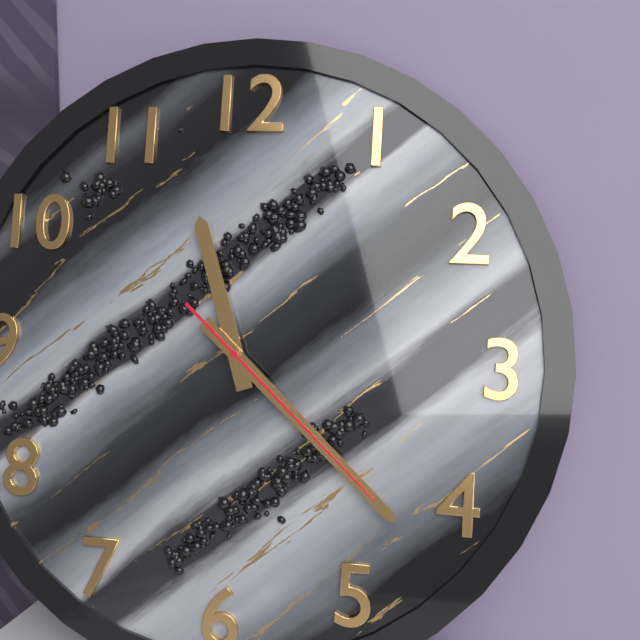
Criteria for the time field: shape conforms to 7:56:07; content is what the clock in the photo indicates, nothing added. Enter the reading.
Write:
11:22:22
